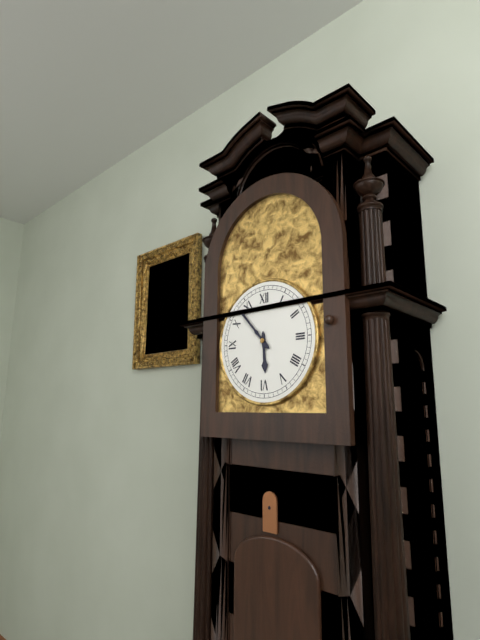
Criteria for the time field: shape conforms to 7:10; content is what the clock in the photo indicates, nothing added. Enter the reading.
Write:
5:53
